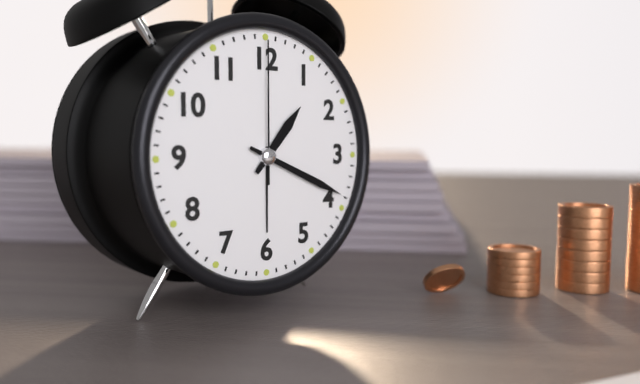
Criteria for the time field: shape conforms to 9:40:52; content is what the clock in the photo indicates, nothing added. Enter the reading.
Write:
1:19:00
